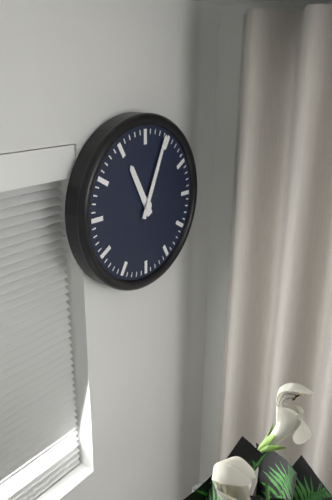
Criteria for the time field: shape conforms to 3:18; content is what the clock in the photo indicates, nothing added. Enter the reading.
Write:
11:04
